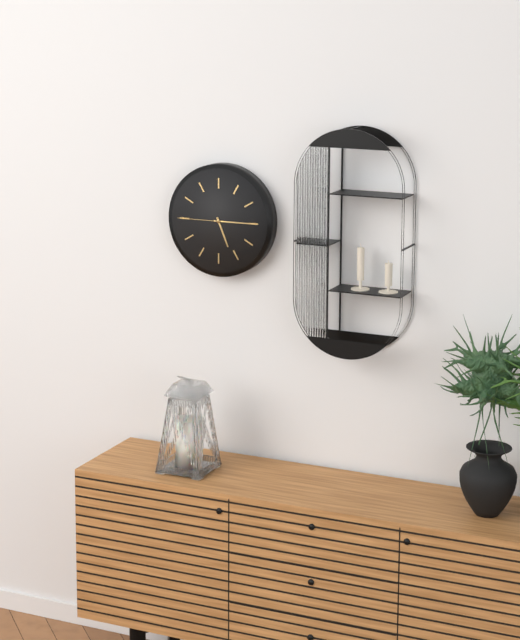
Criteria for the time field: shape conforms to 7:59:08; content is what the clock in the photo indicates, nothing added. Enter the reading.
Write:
5:15:45
